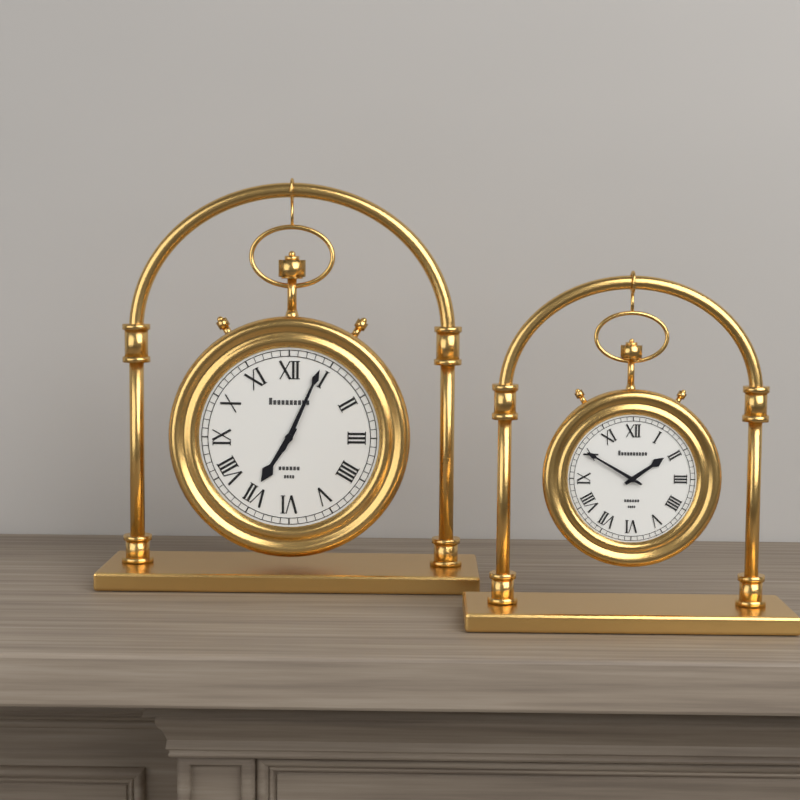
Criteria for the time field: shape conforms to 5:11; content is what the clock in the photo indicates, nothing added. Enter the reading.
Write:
7:04
